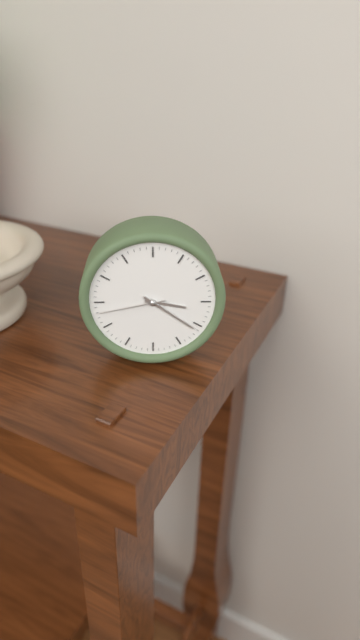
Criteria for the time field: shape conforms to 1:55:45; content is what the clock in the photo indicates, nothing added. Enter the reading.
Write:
3:21:43
